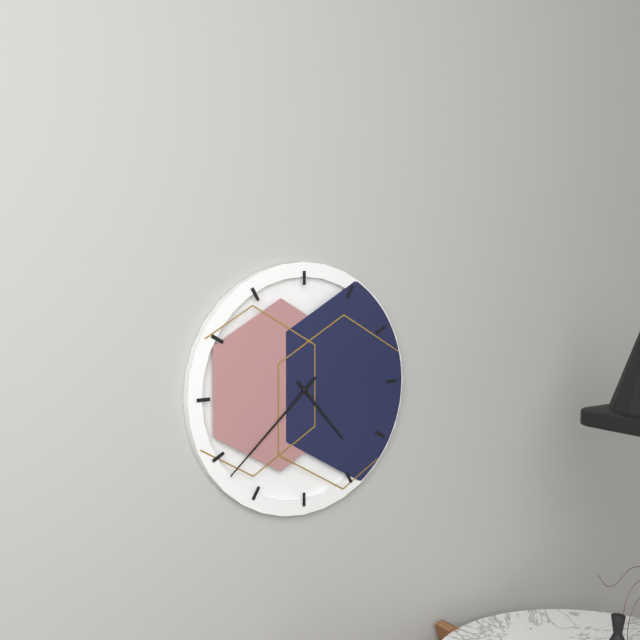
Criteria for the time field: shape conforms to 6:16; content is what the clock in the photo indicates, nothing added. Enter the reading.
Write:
4:38
